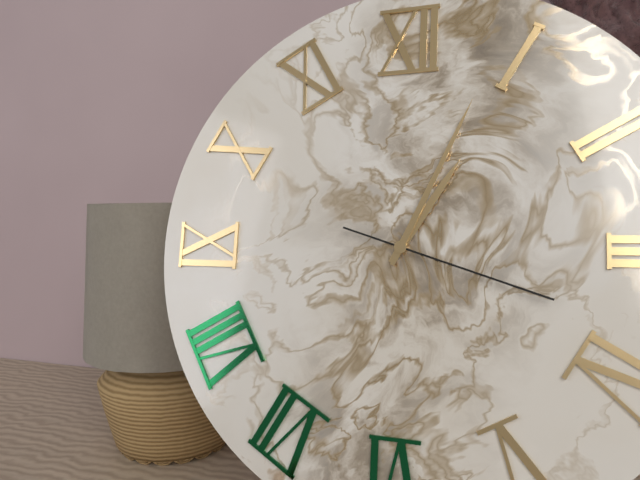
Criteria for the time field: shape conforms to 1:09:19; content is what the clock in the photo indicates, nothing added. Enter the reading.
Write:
1:04:18
